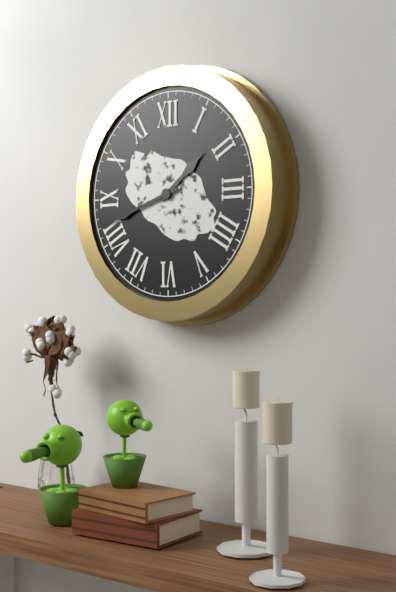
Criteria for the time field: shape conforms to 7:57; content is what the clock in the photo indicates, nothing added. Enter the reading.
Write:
1:42
